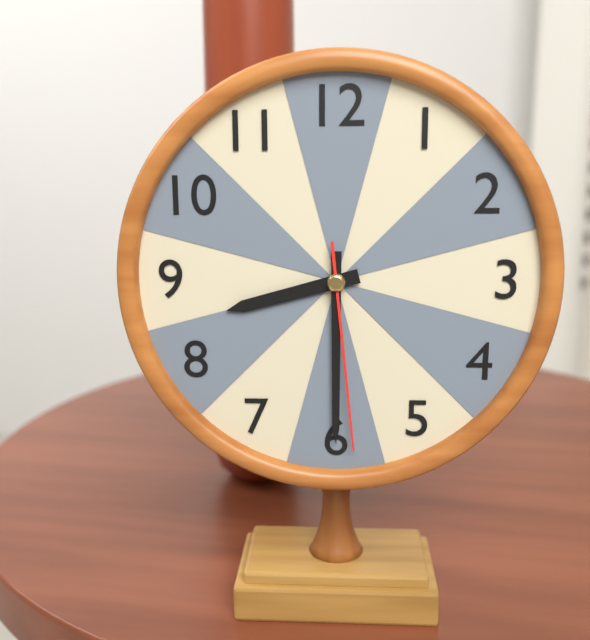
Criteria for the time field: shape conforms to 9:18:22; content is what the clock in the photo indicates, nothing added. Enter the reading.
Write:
8:30:29
